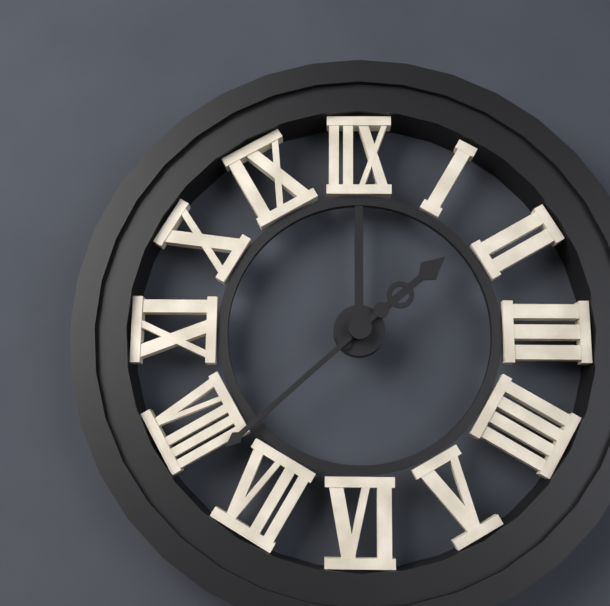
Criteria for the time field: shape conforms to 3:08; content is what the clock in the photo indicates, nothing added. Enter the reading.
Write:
1:38
